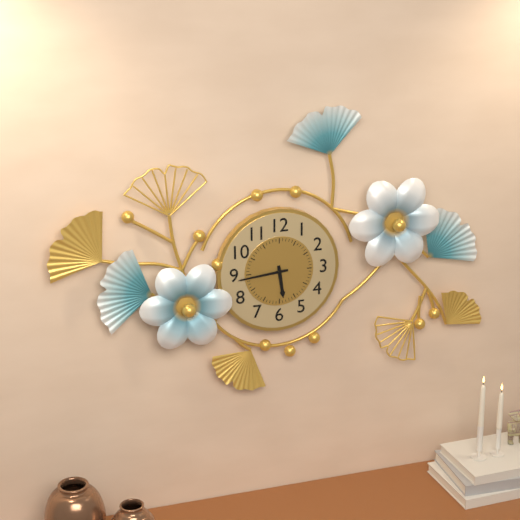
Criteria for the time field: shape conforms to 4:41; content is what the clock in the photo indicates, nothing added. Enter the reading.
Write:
5:44
